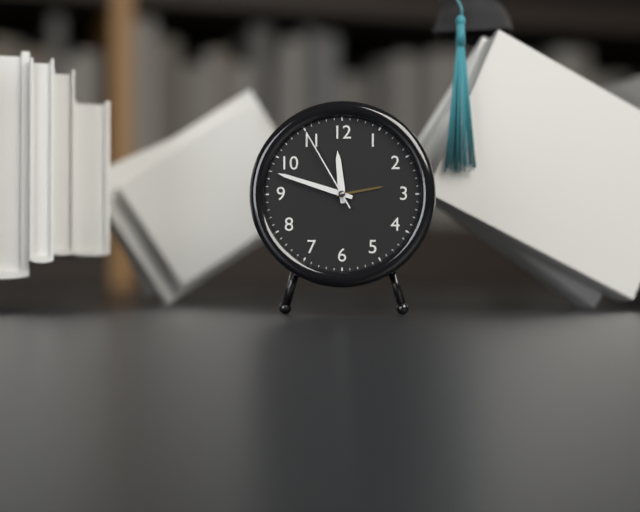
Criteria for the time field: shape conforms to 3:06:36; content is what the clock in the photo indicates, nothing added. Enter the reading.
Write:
11:48:55
